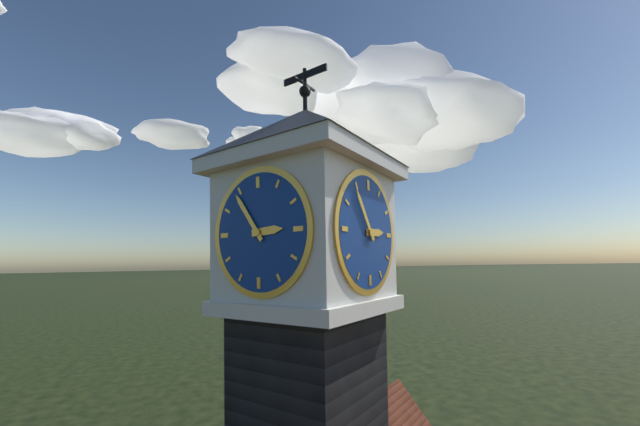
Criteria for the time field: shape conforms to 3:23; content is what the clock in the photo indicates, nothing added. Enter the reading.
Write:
2:54
